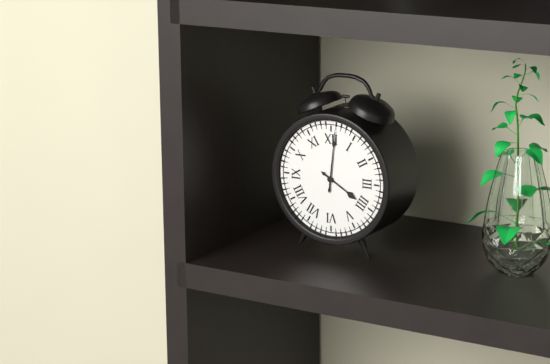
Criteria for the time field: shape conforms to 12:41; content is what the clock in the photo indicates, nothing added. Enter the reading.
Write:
4:01
